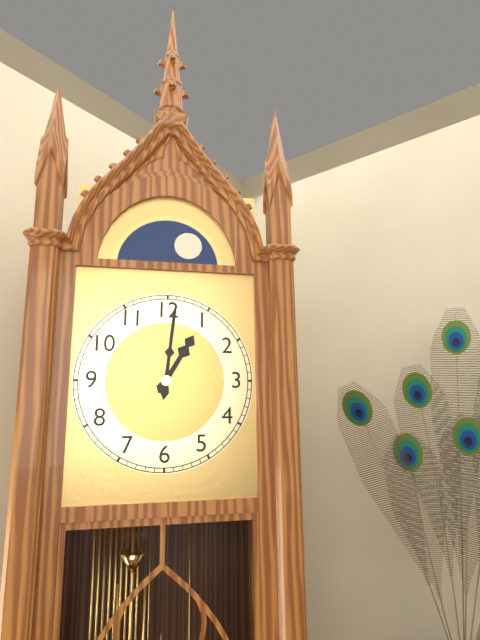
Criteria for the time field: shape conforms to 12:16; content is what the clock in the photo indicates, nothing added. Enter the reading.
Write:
1:01
